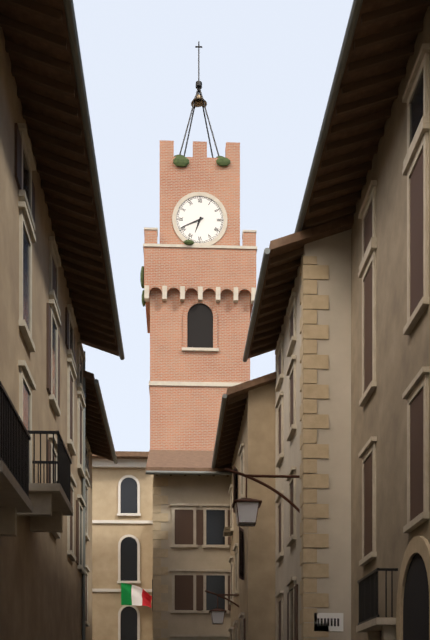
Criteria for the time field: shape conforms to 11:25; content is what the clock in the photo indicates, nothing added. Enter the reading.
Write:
6:41
